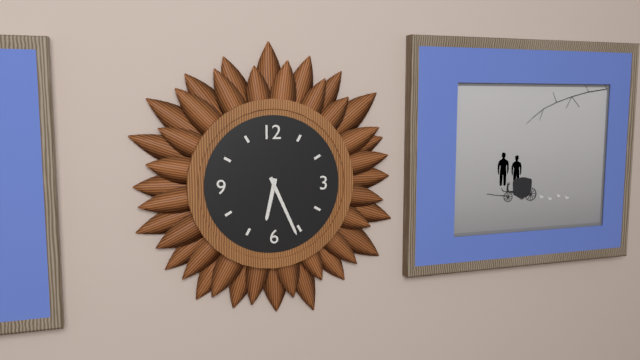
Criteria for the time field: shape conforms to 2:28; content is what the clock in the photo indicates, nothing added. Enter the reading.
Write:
6:26
